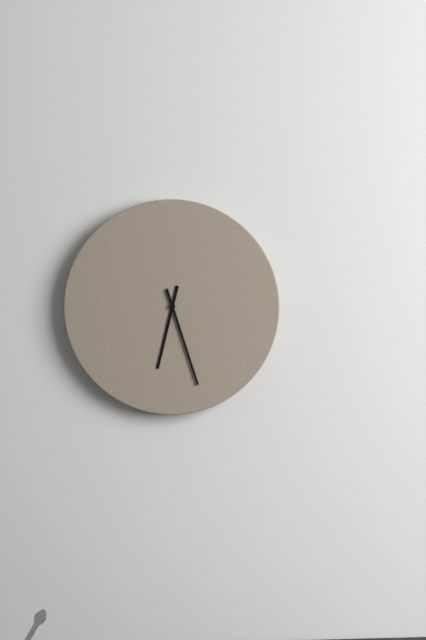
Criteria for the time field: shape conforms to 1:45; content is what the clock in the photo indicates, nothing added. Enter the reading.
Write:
6:27
